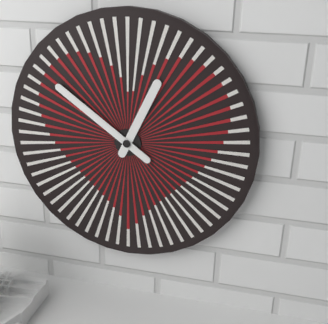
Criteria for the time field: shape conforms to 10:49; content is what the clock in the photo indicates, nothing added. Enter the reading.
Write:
12:51
